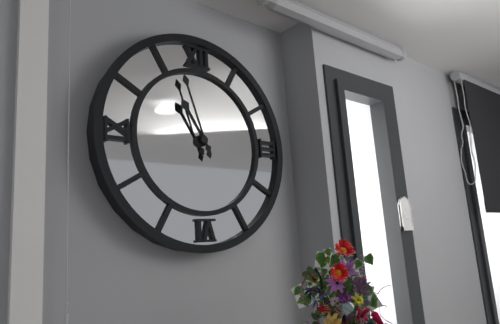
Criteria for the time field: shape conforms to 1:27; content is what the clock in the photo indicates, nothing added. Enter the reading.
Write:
10:57
